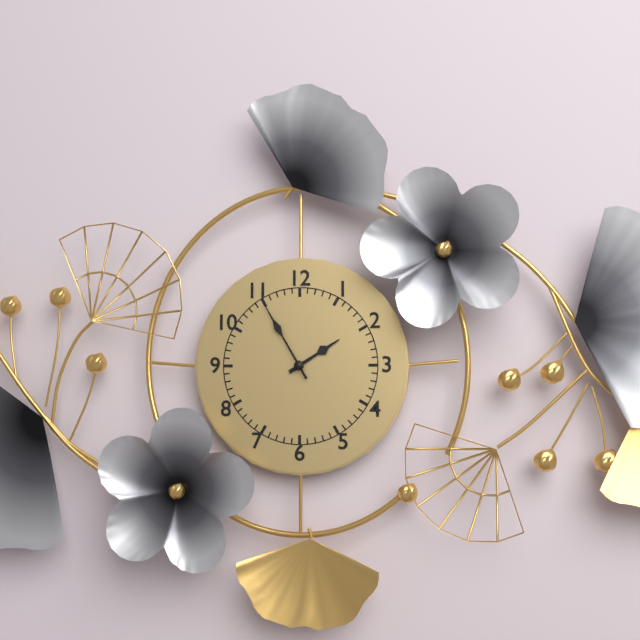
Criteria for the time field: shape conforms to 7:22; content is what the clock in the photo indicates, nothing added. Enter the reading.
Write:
1:55
